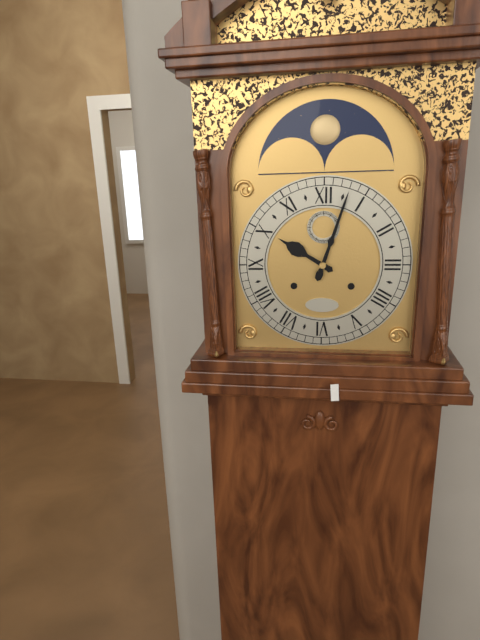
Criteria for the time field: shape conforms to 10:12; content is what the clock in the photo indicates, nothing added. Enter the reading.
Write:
10:03
